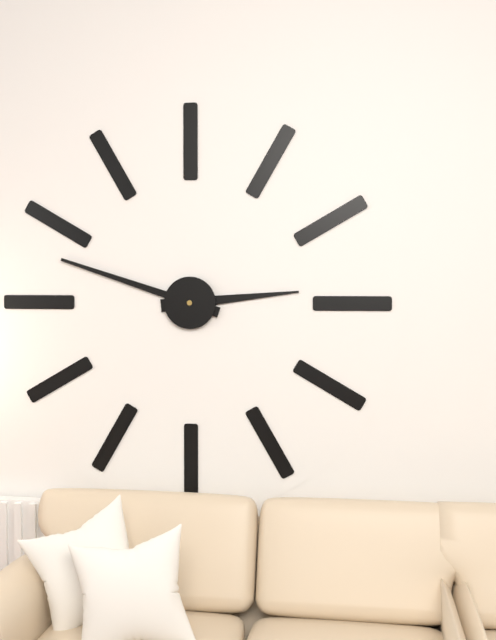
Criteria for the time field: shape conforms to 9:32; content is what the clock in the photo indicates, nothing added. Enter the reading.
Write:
2:48
